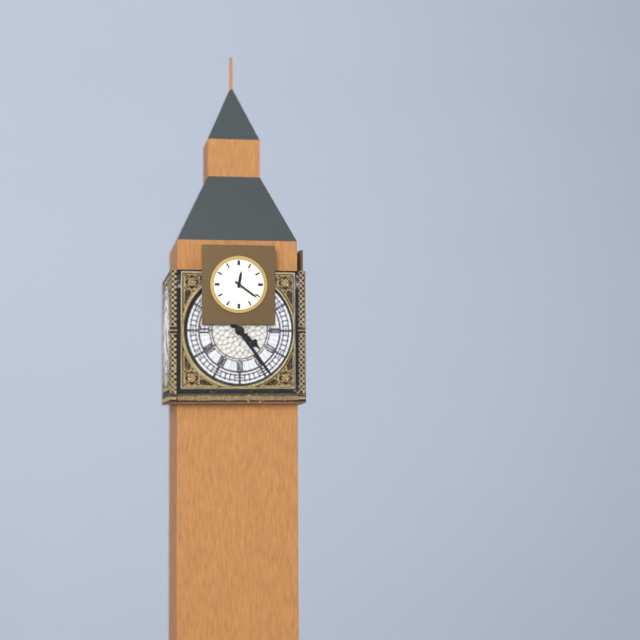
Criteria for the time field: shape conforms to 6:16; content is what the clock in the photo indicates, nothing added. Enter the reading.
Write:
12:21
